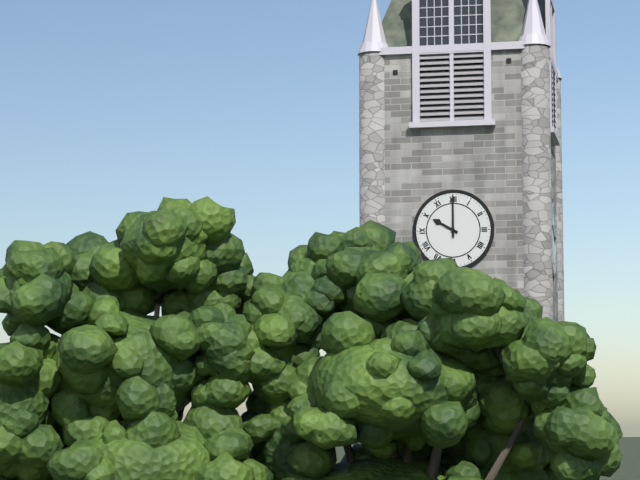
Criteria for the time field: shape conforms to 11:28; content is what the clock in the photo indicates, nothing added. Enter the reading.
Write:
10:00
